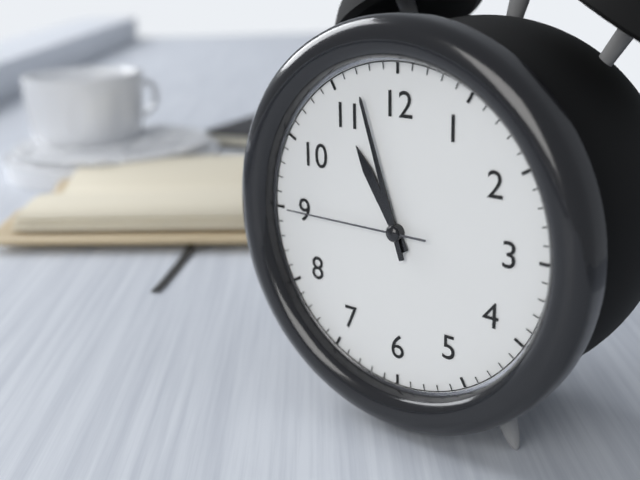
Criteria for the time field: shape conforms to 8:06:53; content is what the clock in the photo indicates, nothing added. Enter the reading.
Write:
10:57:45
